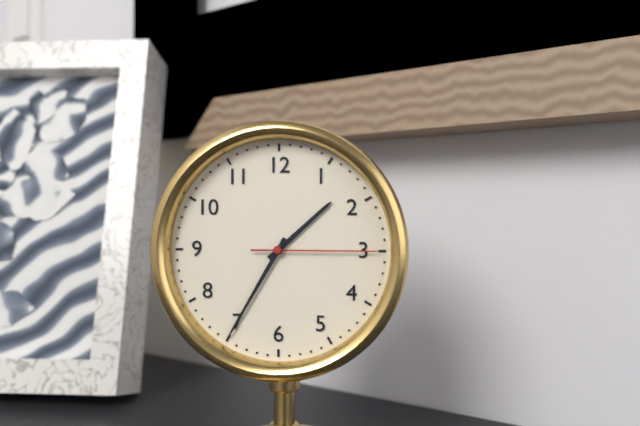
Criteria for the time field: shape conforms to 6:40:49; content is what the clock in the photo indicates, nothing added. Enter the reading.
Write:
1:35:15
